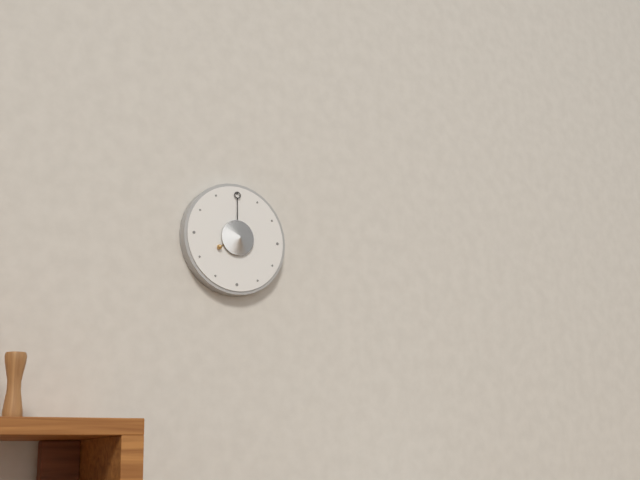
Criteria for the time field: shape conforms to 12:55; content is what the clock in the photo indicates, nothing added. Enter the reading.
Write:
8:00
